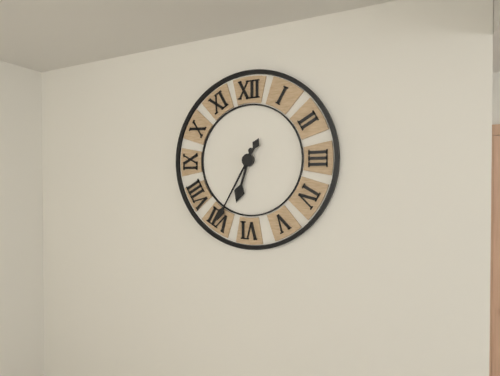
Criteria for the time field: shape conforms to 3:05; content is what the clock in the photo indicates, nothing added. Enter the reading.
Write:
6:35
